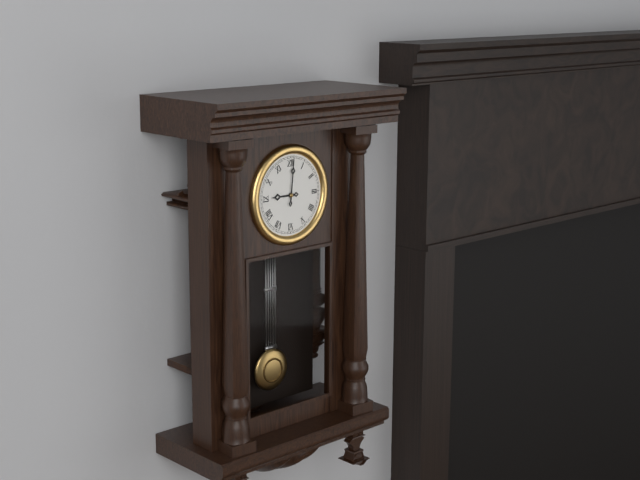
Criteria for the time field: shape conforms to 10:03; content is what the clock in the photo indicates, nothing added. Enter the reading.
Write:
9:01
